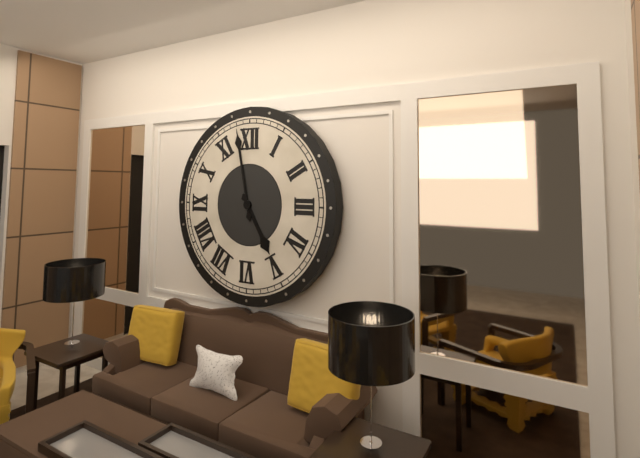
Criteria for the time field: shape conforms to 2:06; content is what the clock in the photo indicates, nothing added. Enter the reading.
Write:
4:58
